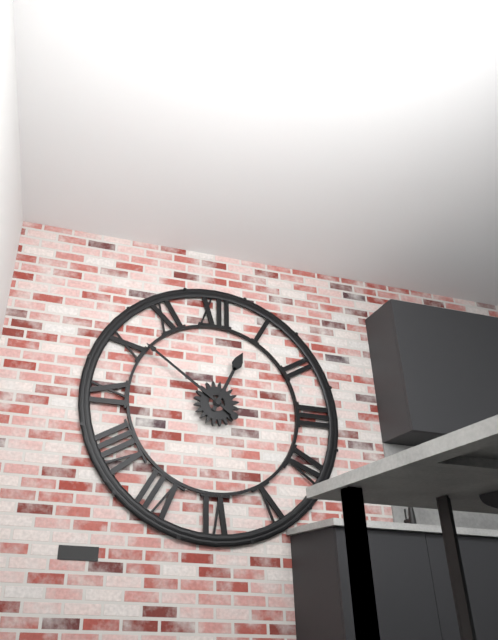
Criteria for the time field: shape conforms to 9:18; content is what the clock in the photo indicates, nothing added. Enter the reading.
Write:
12:51
